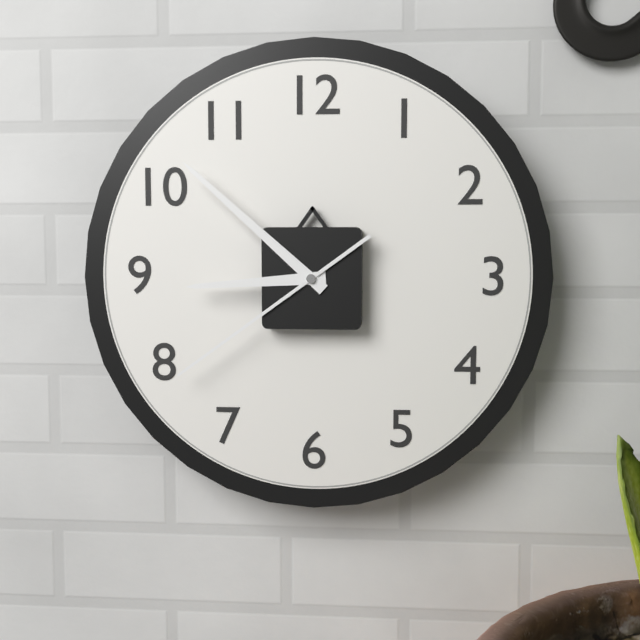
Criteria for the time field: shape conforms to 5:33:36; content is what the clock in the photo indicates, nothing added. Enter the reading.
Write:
8:52:39
